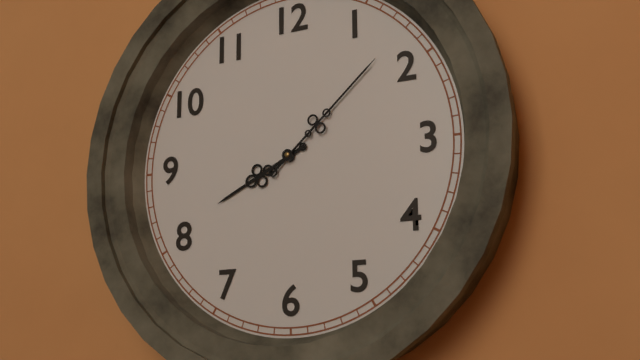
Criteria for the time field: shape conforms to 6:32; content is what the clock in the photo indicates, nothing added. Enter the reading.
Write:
8:08
